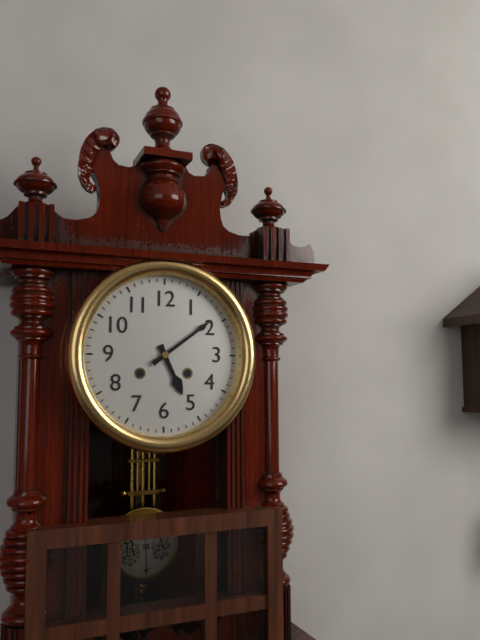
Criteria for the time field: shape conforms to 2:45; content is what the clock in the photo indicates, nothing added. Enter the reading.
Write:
5:09
